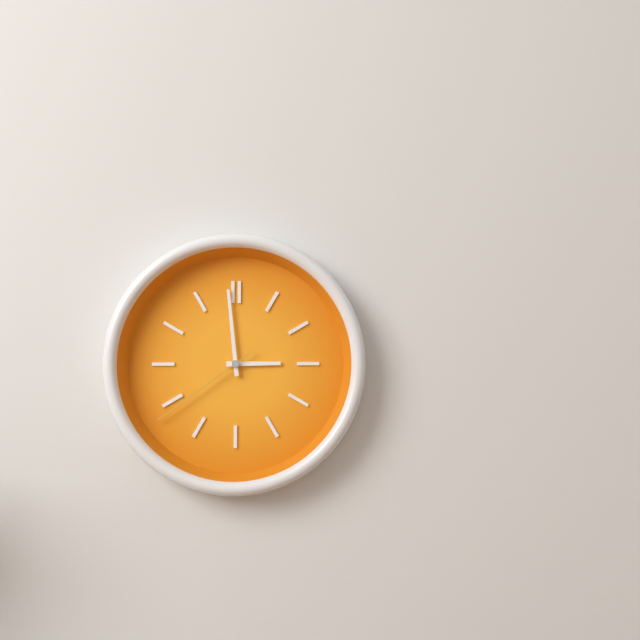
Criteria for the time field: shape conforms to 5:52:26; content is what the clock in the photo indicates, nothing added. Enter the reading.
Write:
2:59:39
